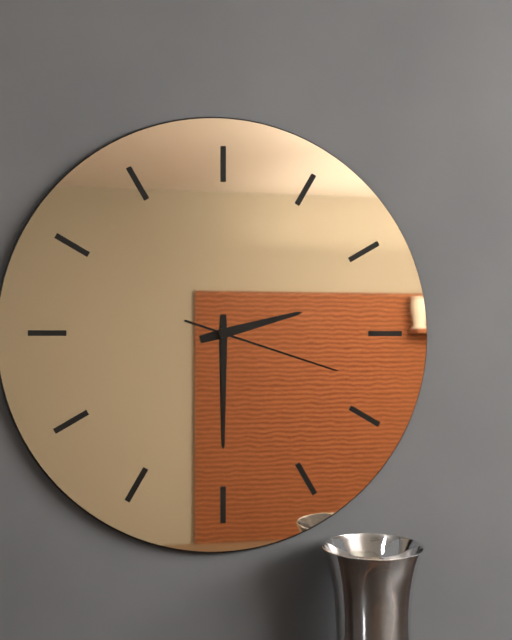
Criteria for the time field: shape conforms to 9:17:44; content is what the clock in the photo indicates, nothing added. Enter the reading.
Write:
2:30:18
